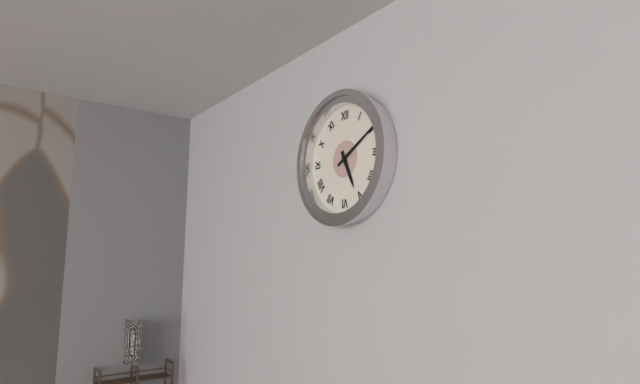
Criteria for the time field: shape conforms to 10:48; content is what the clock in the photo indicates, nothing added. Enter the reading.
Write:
5:10
